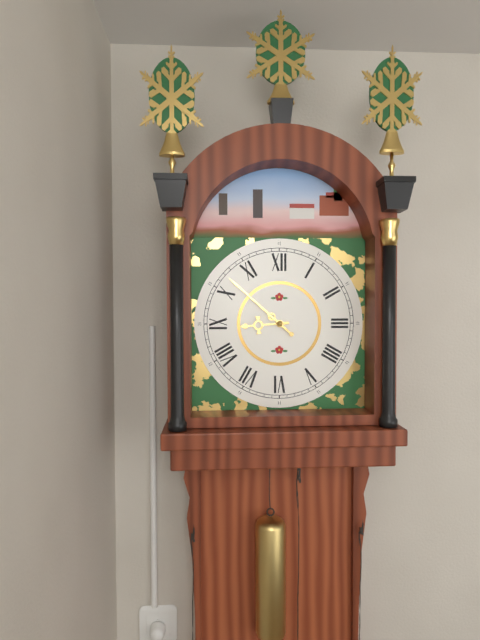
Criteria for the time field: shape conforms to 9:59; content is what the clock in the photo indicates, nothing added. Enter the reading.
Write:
8:52
